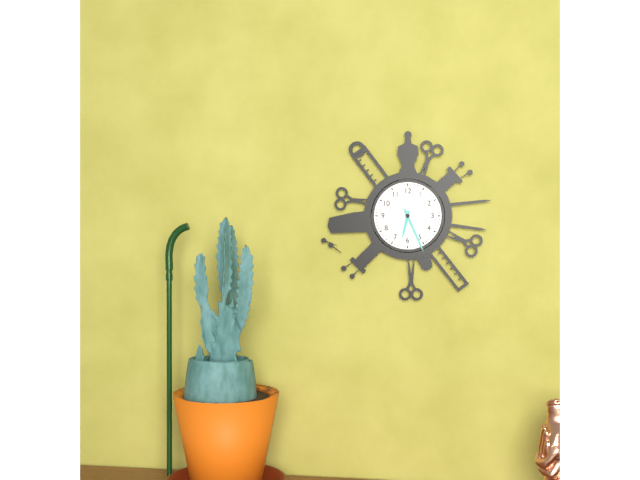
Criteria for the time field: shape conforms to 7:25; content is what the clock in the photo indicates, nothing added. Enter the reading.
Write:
6:26
